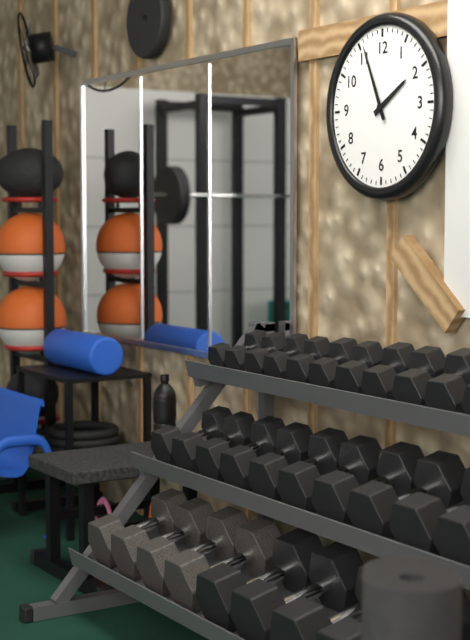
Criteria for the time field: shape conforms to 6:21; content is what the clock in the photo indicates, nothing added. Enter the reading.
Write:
1:56
